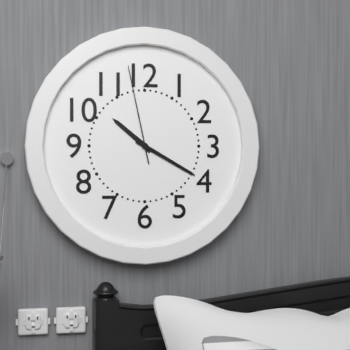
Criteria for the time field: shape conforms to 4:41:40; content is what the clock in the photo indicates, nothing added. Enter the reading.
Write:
10:20:58
